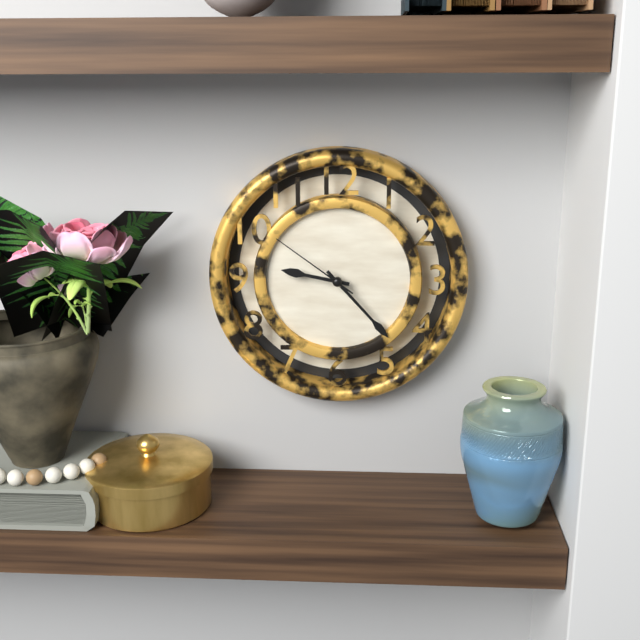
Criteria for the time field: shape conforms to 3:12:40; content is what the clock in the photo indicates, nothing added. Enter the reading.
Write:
9:23:51
